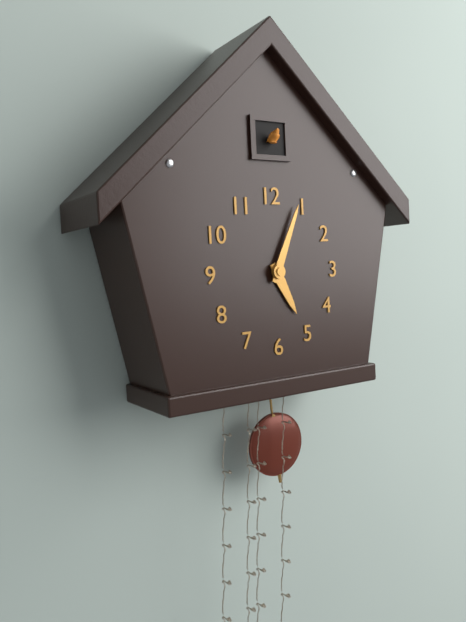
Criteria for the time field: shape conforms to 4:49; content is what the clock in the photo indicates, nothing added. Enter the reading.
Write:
5:04
